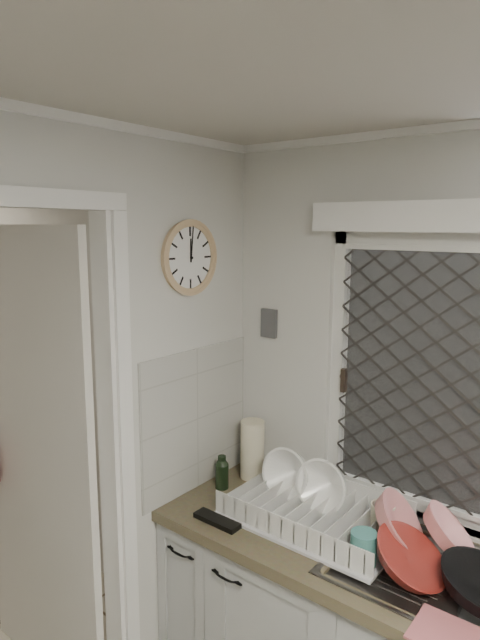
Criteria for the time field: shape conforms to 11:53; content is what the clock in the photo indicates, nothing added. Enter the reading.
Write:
12:01
